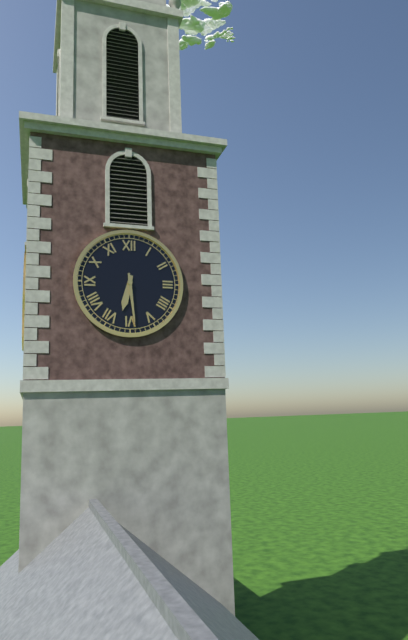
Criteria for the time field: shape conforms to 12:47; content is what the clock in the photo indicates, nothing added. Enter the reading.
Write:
6:29
